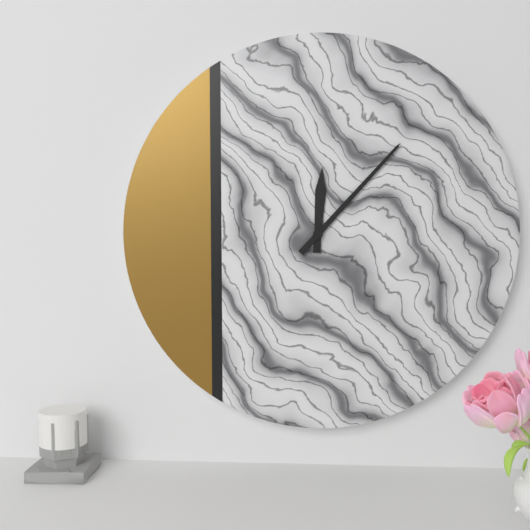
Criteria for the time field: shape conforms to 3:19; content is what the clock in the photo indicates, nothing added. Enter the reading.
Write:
12:07
